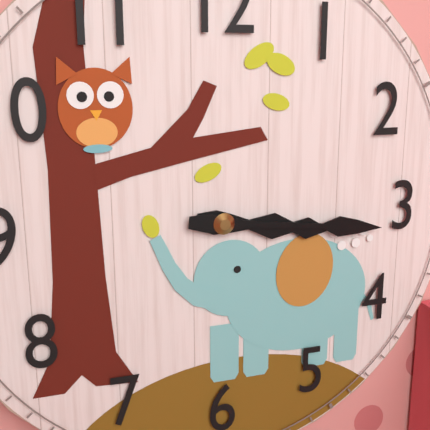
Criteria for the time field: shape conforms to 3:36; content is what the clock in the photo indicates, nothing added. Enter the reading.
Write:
3:16
